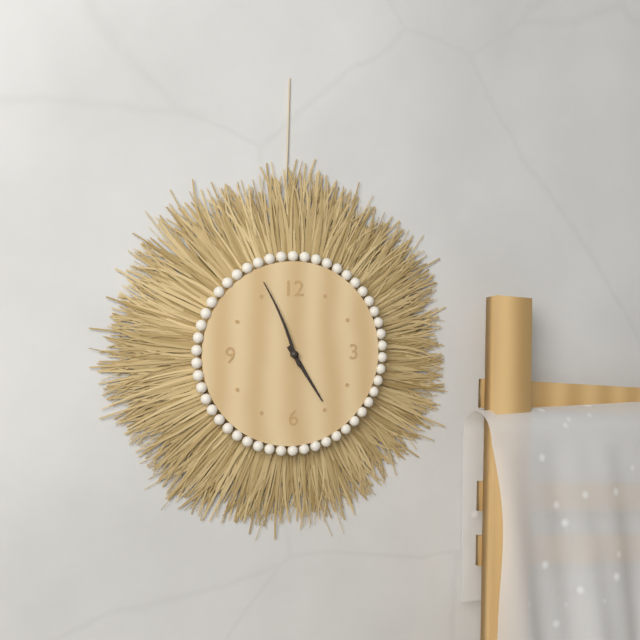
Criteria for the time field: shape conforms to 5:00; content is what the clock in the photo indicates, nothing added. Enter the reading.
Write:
4:56
